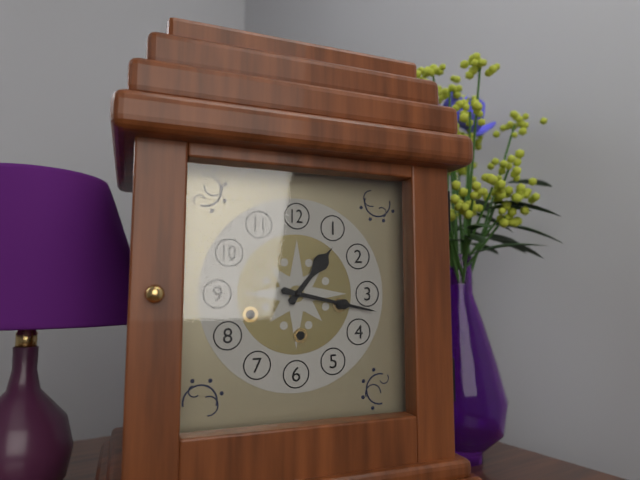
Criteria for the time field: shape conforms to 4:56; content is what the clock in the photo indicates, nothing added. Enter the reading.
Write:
1:17
